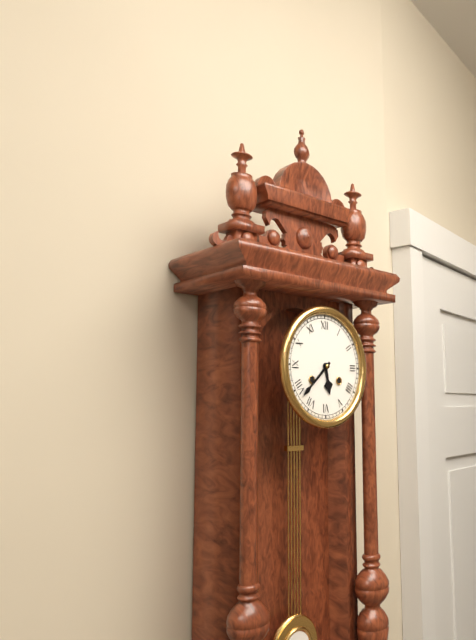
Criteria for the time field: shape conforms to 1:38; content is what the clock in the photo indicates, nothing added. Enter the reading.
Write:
5:38
